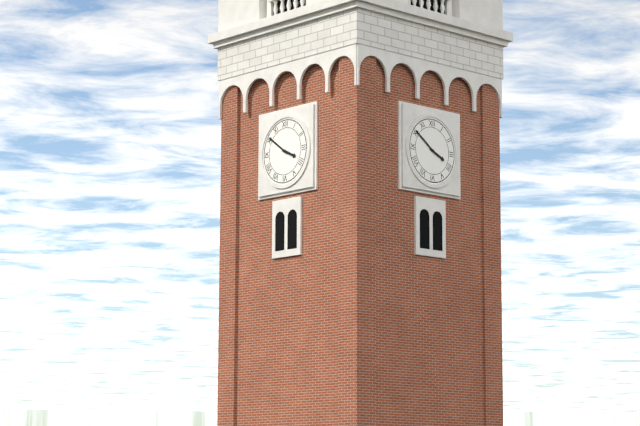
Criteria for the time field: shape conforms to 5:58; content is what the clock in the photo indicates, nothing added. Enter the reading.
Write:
3:51
